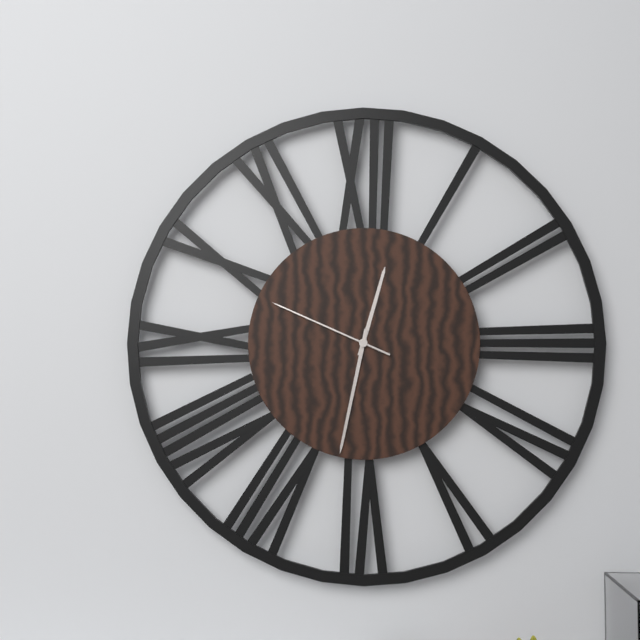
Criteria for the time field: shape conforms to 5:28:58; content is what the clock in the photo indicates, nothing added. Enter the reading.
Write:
12:32:49
